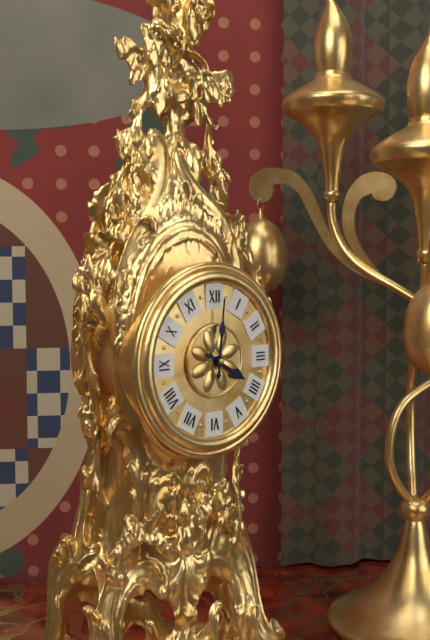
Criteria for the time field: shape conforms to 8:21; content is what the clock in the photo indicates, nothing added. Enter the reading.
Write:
4:01
